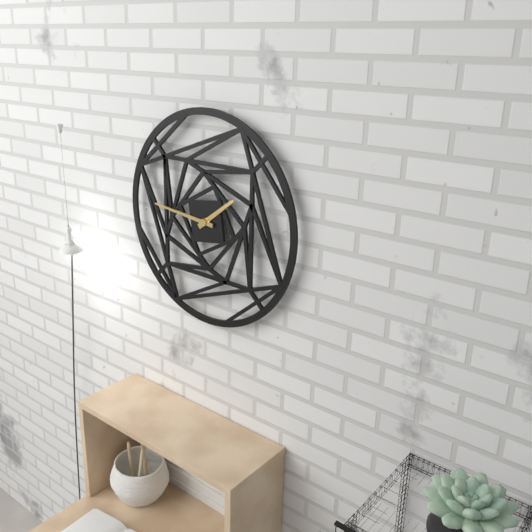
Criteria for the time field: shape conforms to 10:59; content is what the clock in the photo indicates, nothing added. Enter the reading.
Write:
1:46
